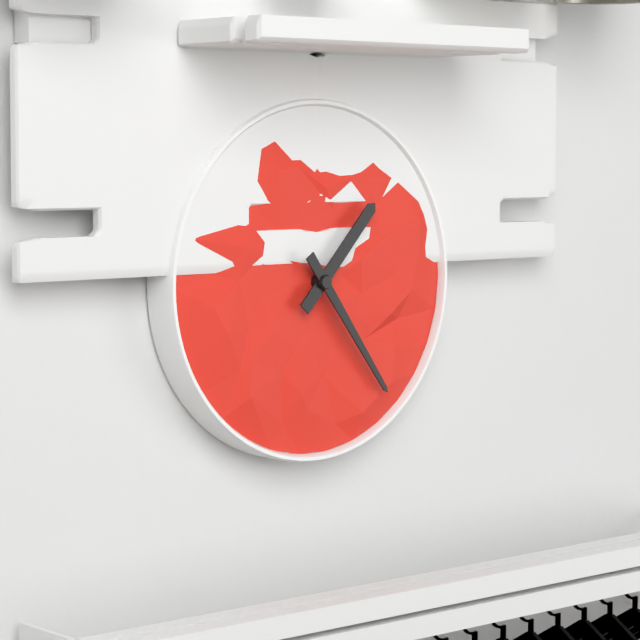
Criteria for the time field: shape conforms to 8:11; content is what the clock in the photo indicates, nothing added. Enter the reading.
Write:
1:24
